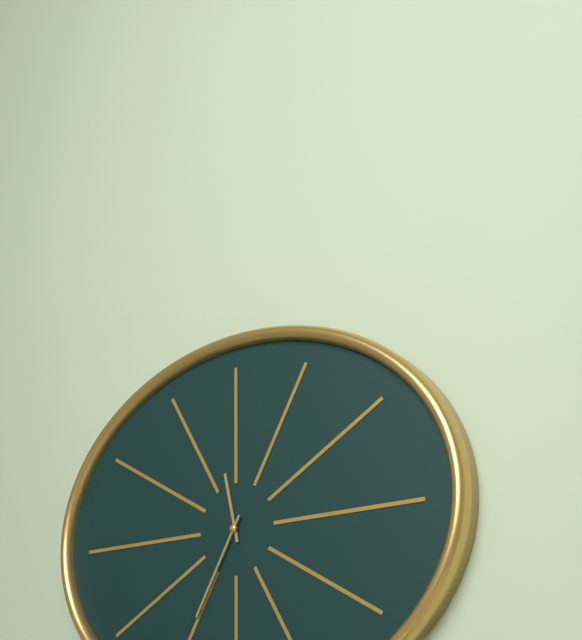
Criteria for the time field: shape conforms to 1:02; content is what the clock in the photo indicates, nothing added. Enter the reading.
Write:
11:35
